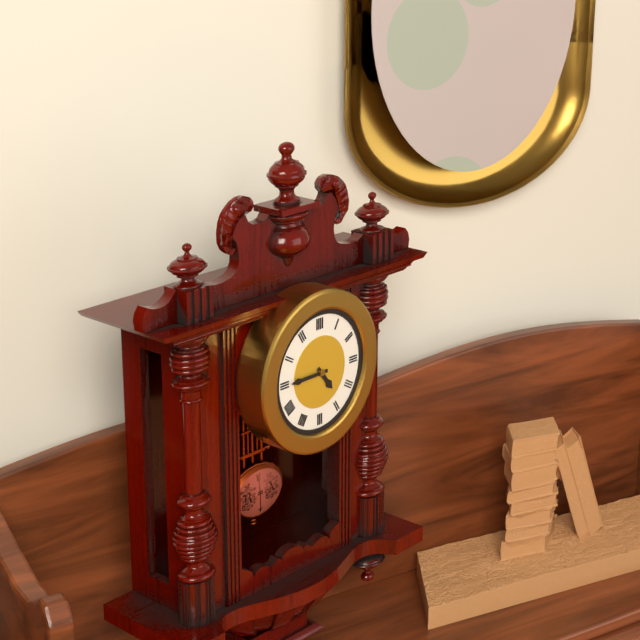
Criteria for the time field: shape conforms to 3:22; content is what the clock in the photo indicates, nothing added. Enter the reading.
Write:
4:45
